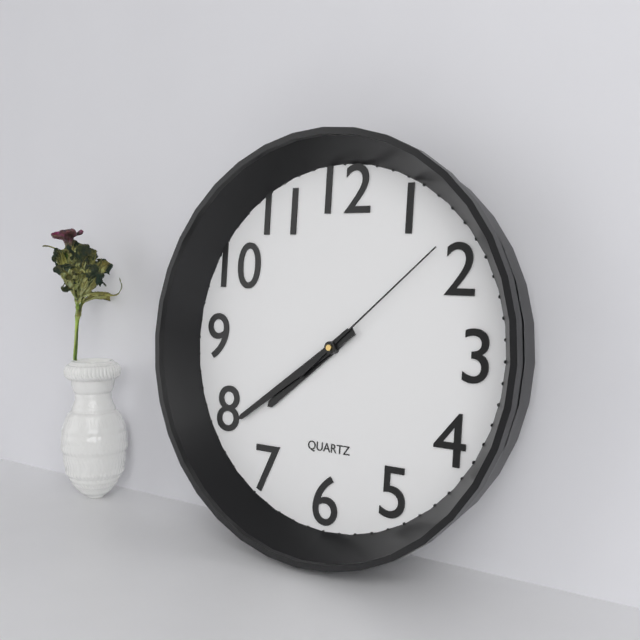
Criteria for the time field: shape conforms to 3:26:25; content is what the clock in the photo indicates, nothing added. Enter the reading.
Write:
7:39:08
